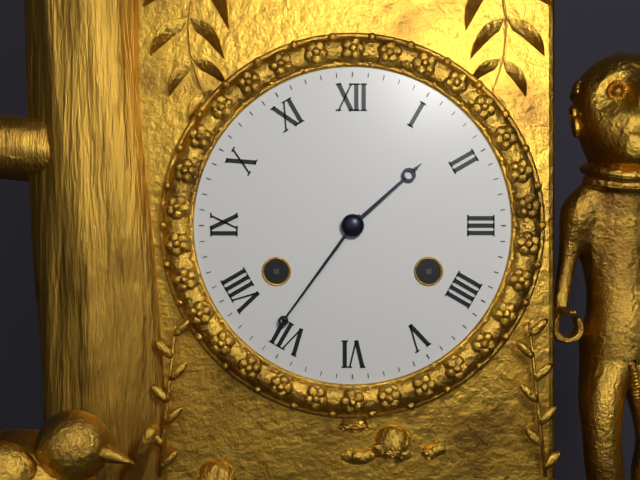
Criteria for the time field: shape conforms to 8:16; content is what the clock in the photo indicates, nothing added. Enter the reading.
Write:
1:36
